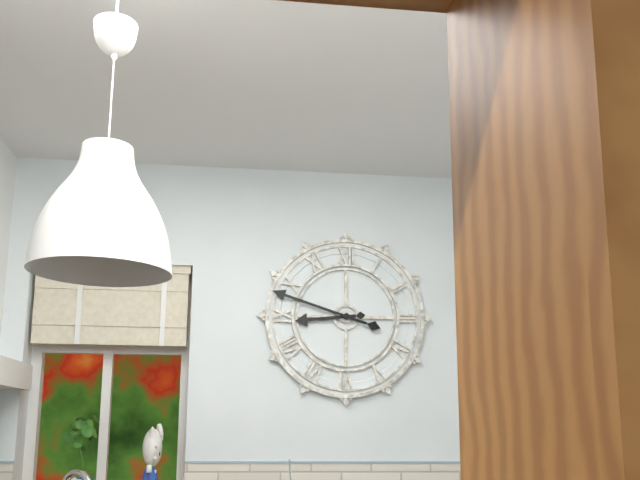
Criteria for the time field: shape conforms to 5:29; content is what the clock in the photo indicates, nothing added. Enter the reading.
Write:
8:48
